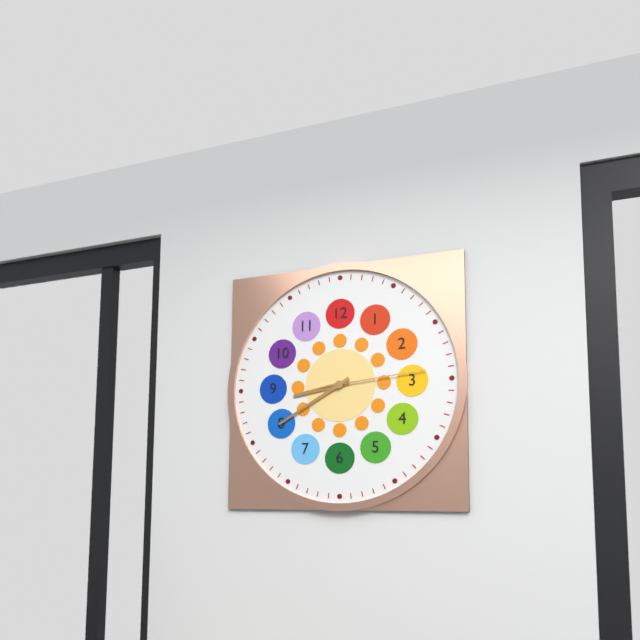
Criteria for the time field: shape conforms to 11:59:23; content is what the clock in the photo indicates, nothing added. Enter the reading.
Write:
8:40:14
